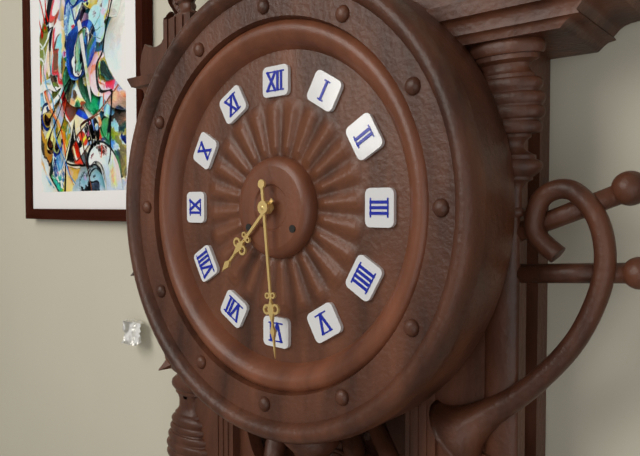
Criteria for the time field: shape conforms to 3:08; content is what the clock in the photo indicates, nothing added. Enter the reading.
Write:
7:29
